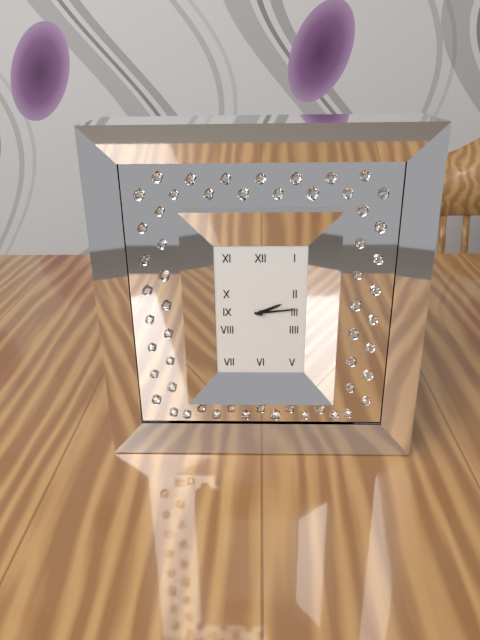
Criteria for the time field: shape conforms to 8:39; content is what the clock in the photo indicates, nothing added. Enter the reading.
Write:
2:14
